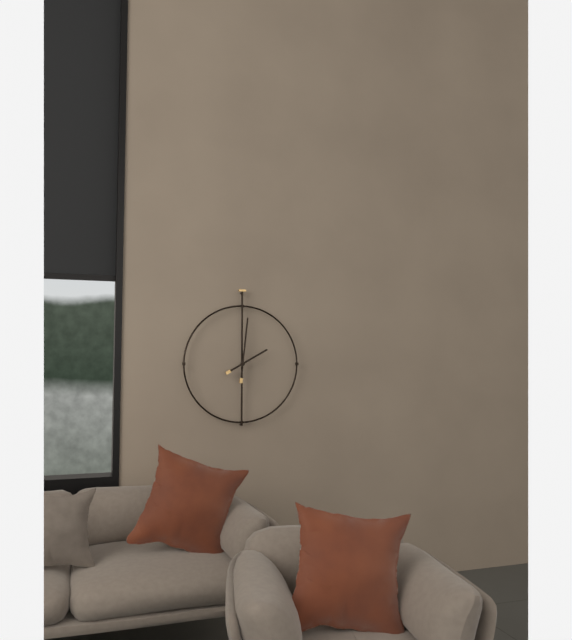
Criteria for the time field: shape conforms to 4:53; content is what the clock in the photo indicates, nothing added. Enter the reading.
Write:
2:01
